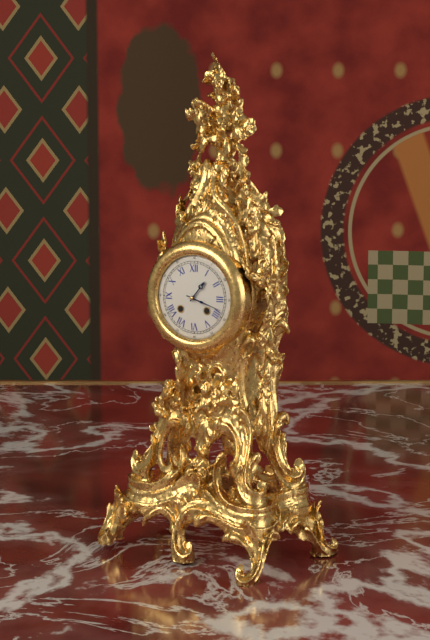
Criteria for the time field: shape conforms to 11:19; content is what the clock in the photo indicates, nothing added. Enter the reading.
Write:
1:18
